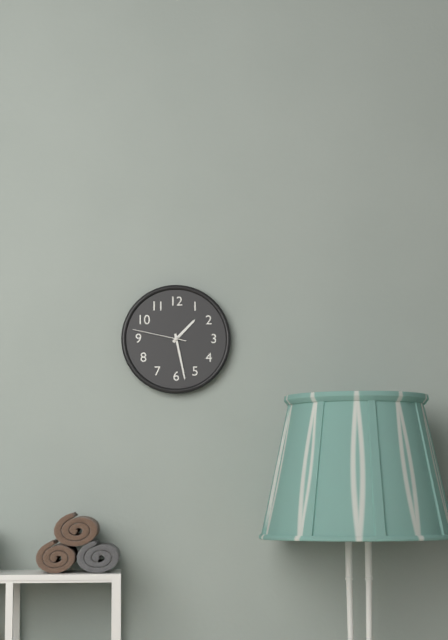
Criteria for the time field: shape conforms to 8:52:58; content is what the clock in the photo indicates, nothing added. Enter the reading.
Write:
1:28:47
